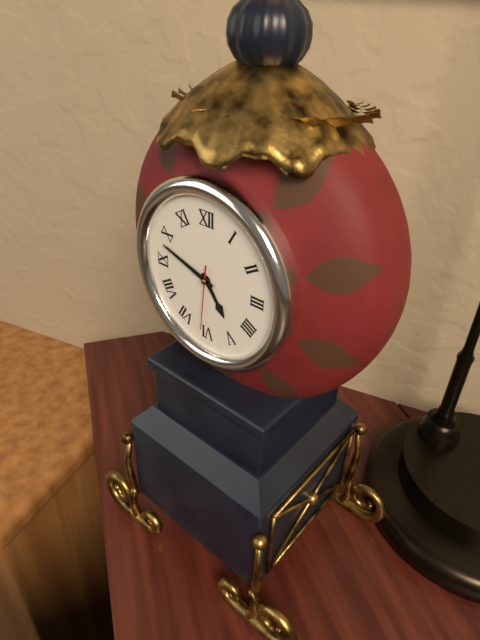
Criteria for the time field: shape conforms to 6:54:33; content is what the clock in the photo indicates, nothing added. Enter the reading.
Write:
4:48:31
